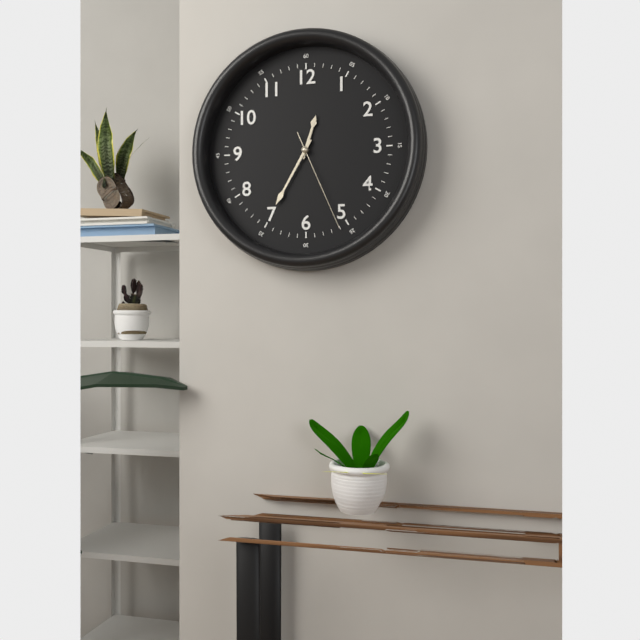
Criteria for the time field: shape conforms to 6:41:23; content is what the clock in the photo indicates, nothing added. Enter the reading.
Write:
12:35:26
